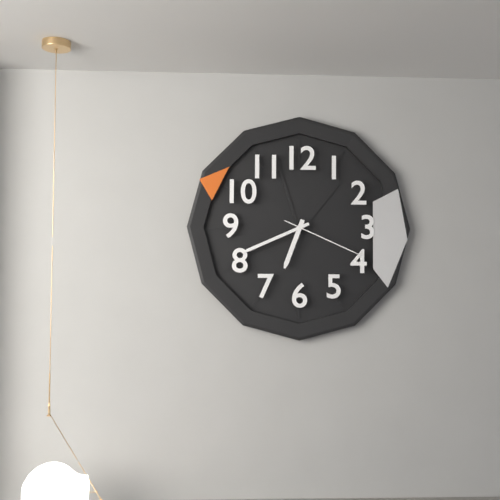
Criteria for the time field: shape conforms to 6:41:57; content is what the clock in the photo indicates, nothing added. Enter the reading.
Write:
6:41:19
